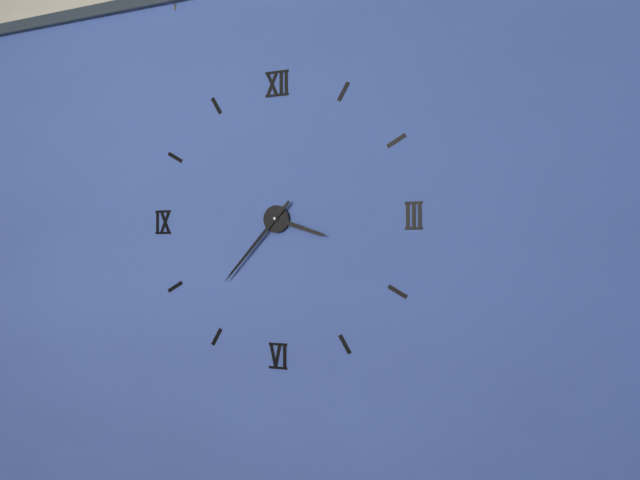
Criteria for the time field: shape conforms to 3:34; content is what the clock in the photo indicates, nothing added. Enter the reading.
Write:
3:37
